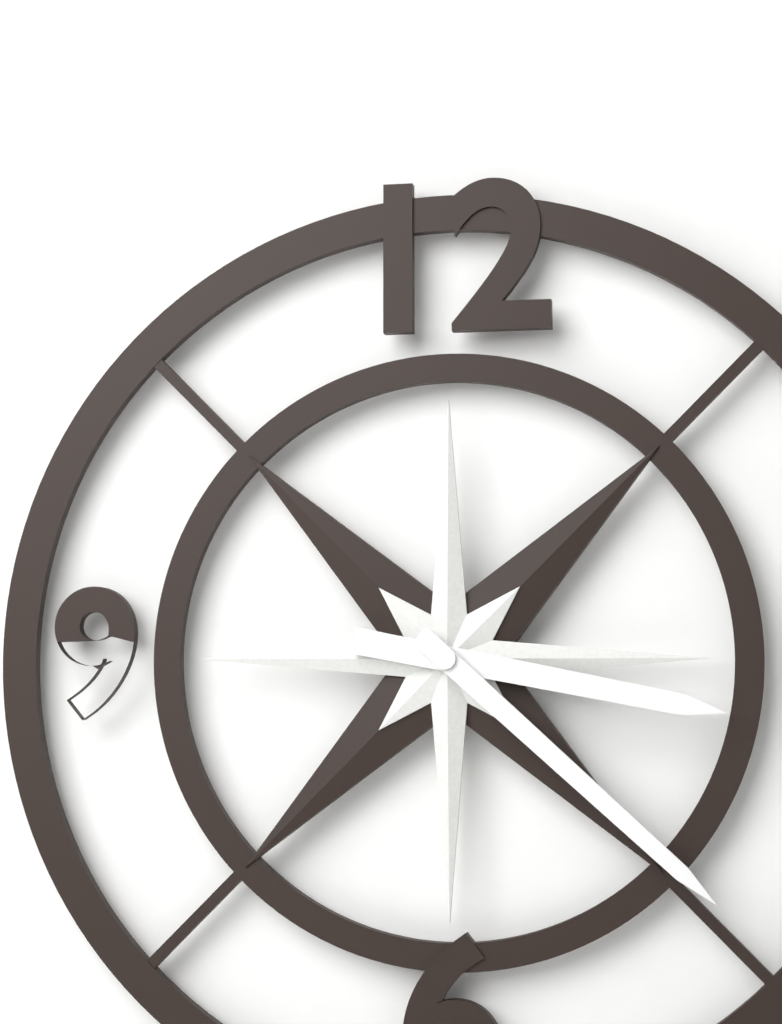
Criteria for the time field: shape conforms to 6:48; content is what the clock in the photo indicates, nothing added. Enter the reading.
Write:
3:22
